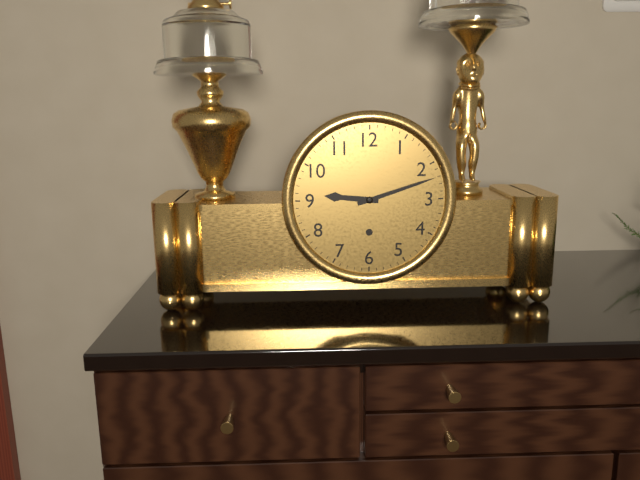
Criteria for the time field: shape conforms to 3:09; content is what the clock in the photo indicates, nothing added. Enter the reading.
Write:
9:12
